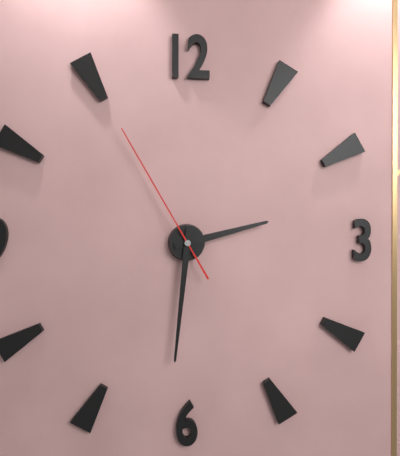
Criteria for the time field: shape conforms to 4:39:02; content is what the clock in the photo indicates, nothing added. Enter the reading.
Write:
2:31:55
